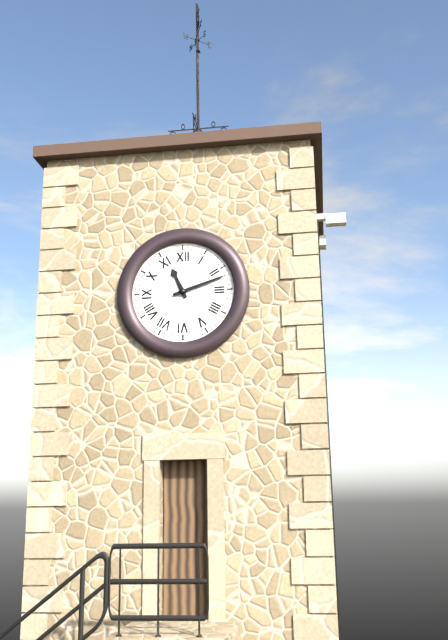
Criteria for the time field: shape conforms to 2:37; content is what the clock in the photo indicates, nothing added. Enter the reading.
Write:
11:12
